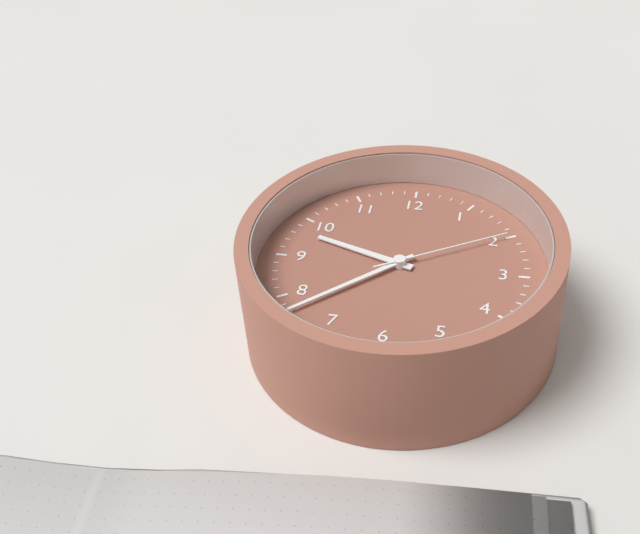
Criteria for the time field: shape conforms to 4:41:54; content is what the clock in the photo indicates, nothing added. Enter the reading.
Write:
9:38:10
